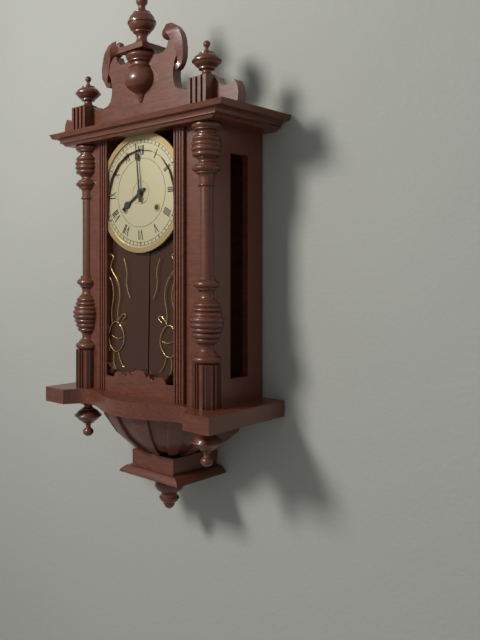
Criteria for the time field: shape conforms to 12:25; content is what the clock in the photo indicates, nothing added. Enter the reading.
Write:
7:59
